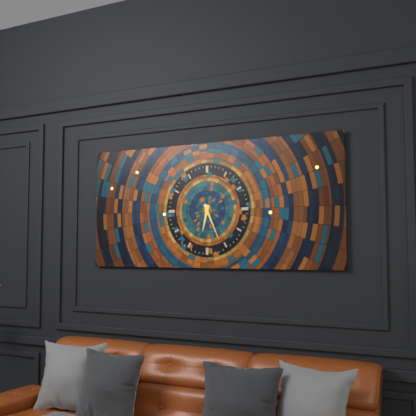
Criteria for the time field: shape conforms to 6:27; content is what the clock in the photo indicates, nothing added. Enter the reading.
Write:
6:26
